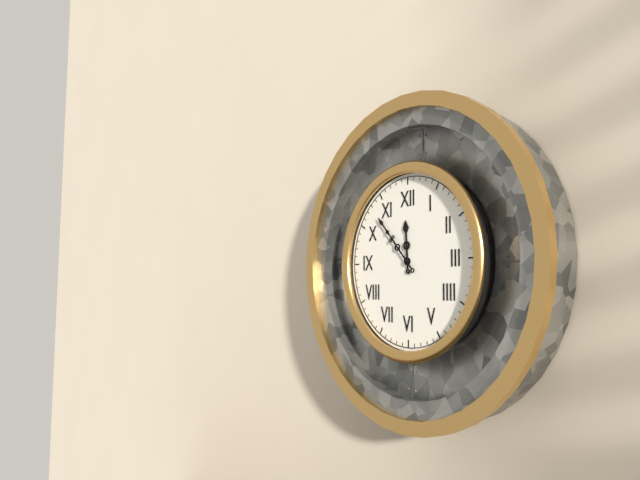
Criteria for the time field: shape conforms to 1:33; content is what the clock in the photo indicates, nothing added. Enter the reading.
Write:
11:53
